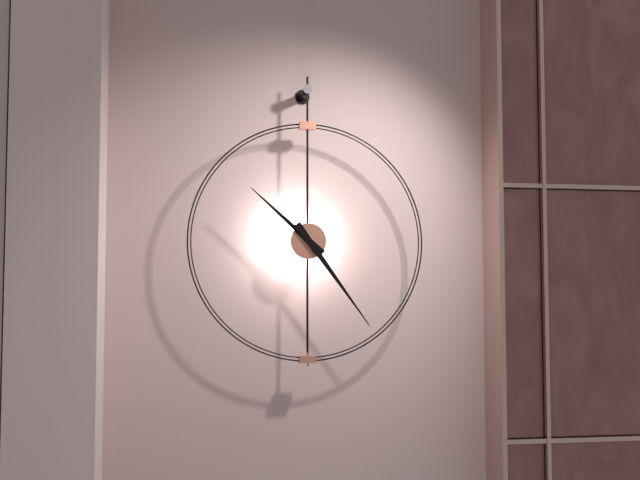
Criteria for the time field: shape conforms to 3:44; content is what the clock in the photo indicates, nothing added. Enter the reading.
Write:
10:24
